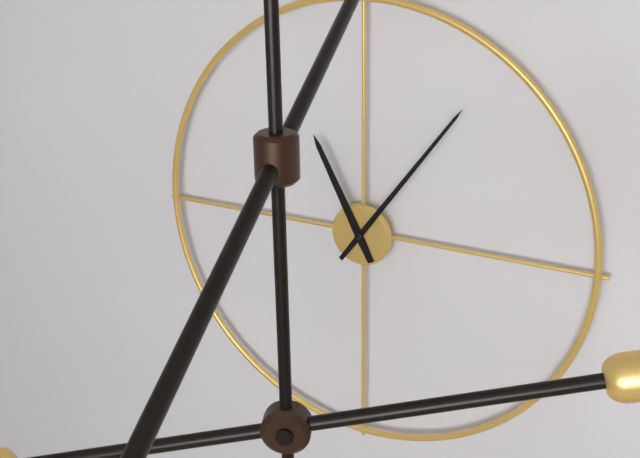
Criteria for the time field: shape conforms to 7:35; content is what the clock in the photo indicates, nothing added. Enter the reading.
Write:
11:06
